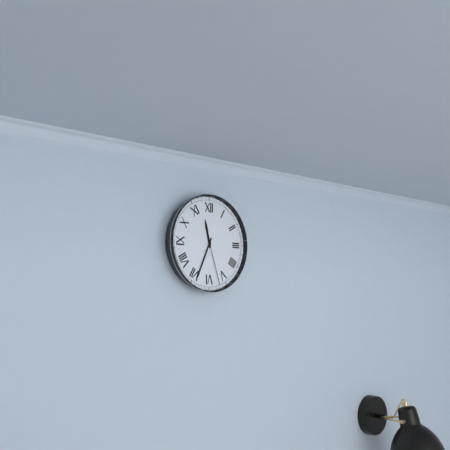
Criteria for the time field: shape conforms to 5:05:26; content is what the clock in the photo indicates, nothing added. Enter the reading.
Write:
11:34:27
